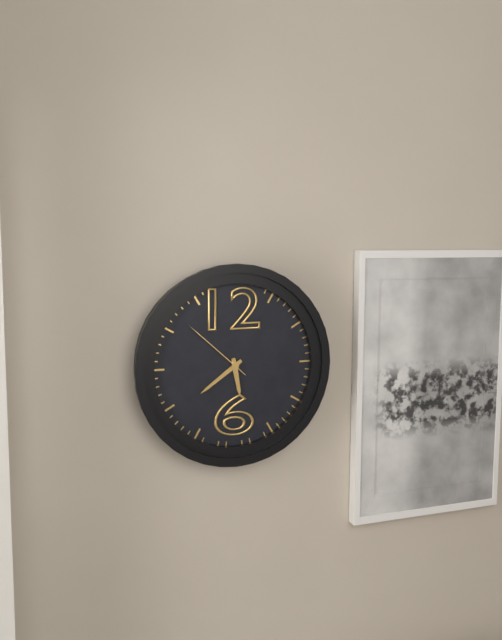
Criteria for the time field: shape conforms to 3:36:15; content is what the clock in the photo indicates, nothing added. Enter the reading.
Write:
5:39:52
